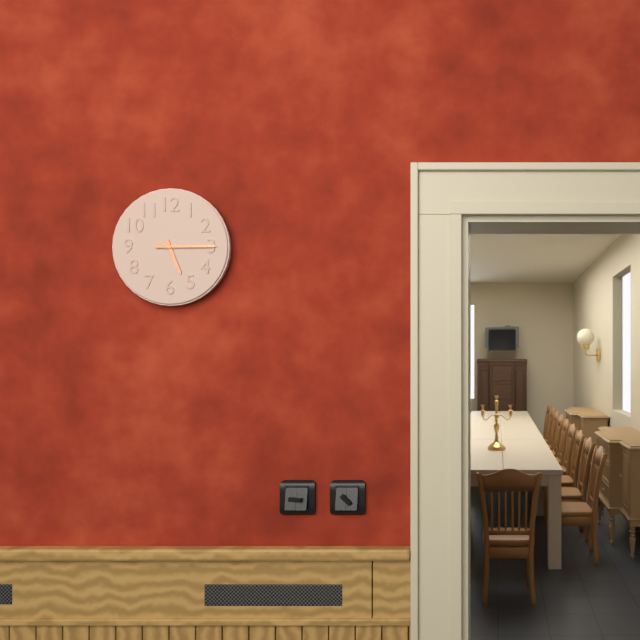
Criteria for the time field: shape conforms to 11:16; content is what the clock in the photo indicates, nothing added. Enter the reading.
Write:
5:15
